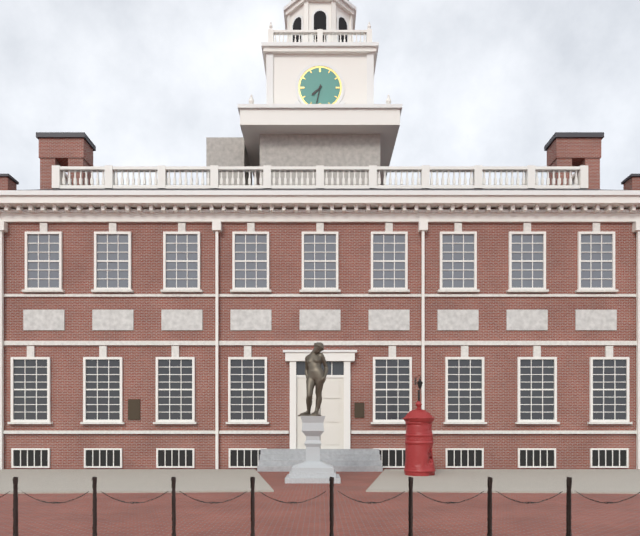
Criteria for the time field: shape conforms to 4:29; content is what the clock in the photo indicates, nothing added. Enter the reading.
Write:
7:32
